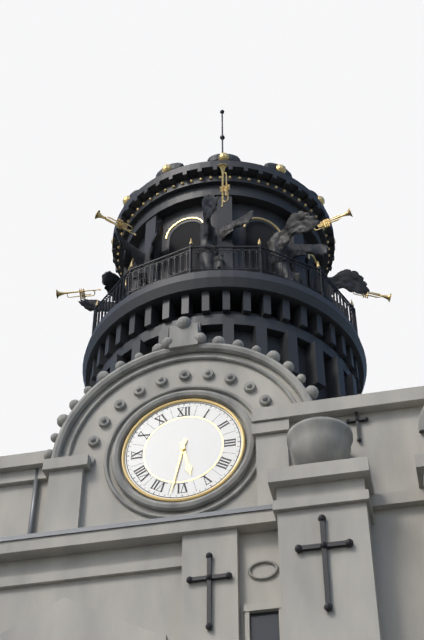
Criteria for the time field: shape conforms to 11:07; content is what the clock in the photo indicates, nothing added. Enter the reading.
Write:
5:32
